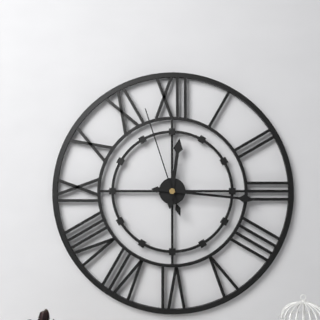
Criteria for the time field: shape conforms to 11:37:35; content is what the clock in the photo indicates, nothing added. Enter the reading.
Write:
12:16:57
